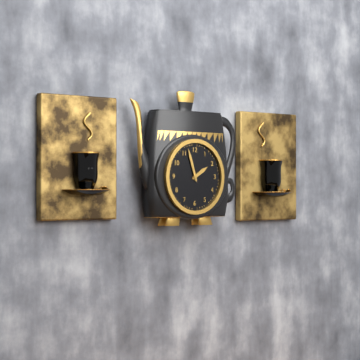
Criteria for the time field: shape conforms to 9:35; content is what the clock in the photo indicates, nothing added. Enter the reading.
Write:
1:57
